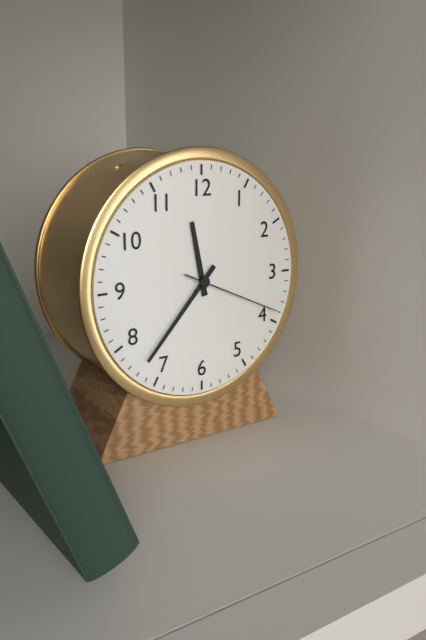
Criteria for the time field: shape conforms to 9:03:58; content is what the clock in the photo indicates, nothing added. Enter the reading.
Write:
11:37:19
